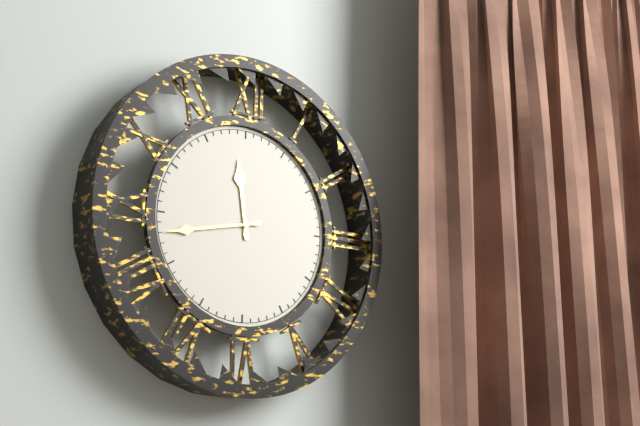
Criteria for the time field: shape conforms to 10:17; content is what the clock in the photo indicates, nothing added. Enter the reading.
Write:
11:43
